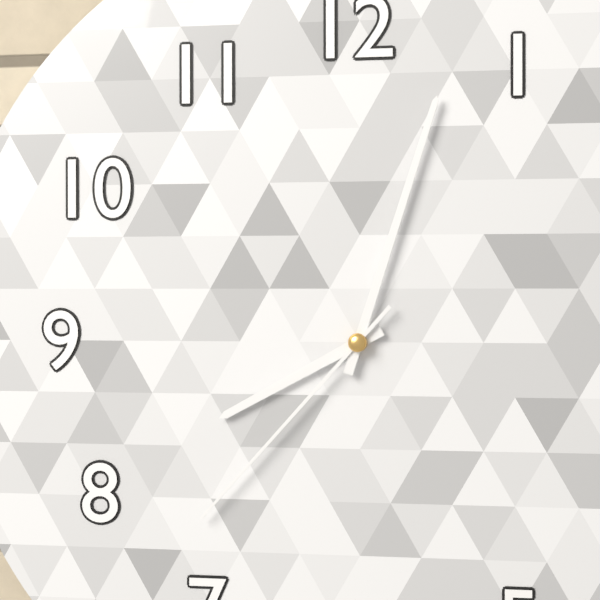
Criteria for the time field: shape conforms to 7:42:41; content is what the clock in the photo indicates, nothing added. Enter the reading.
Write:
8:03:37
